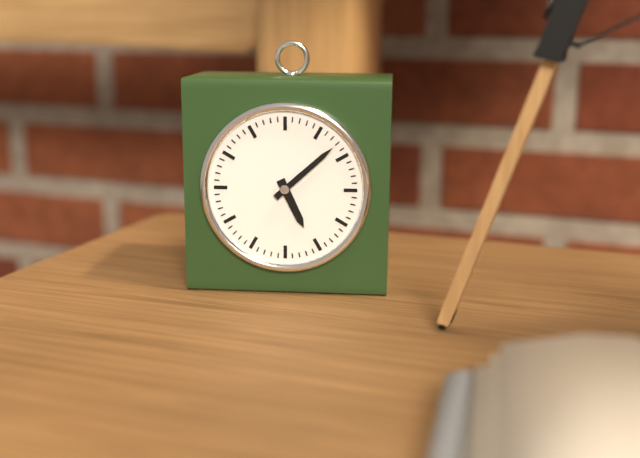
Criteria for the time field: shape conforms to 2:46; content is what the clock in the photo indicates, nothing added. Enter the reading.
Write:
5:08
